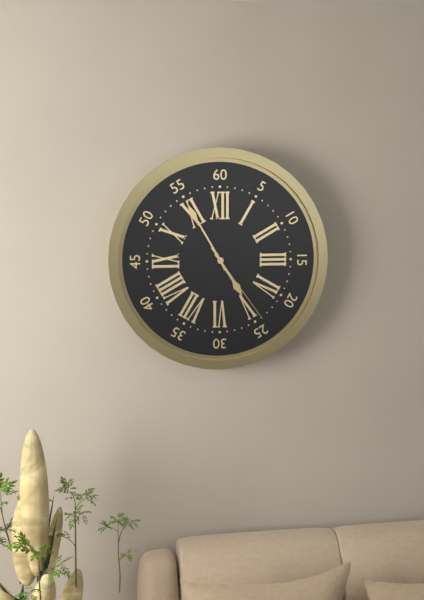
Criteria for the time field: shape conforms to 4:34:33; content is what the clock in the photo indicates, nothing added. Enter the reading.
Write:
4:55:24
